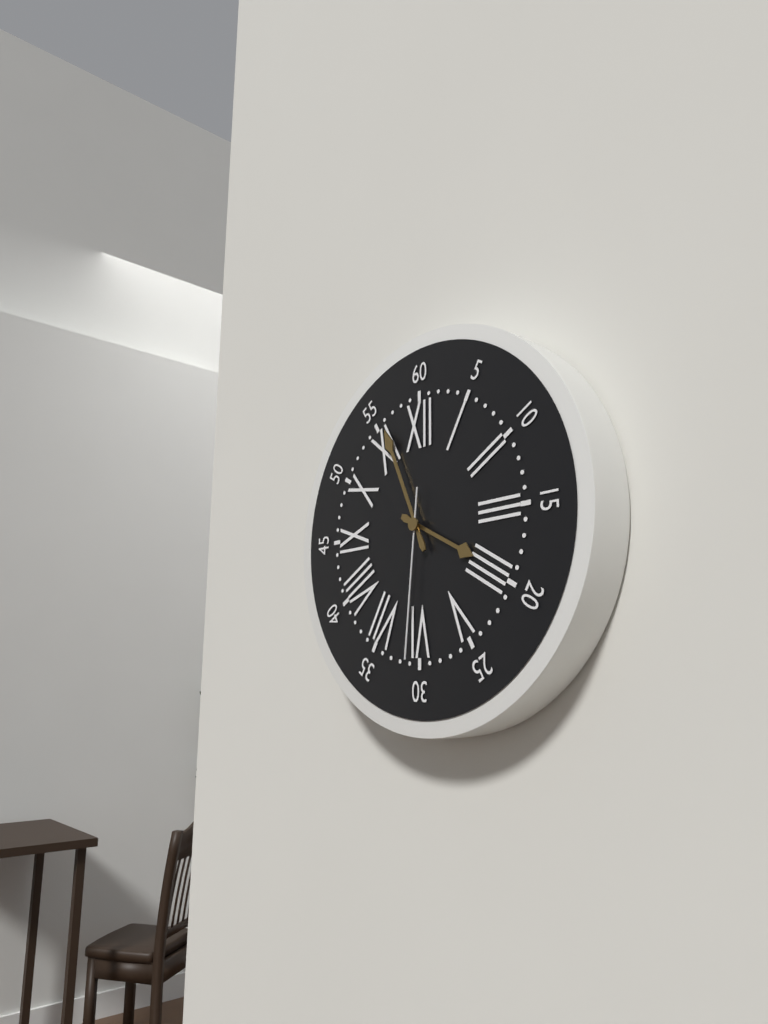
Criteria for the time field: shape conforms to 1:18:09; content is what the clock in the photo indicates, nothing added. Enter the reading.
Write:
3:56:31
